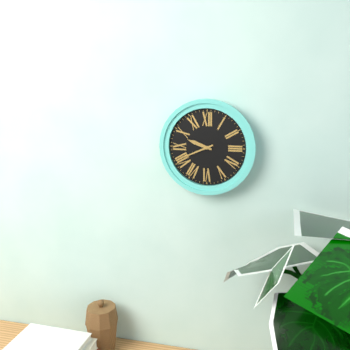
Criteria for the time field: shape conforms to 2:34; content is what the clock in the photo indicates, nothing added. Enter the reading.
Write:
9:41
